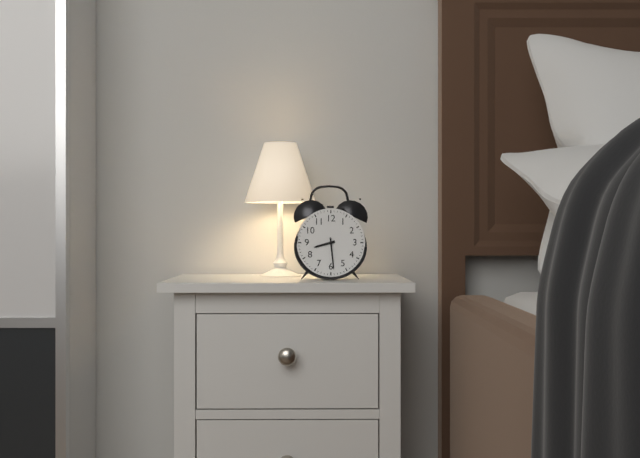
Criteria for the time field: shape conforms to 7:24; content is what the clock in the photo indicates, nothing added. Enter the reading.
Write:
8:29
